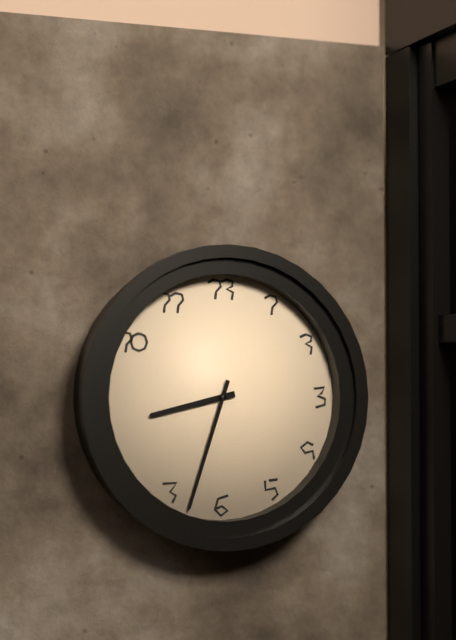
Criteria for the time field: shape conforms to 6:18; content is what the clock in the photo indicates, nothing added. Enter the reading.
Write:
8:33
